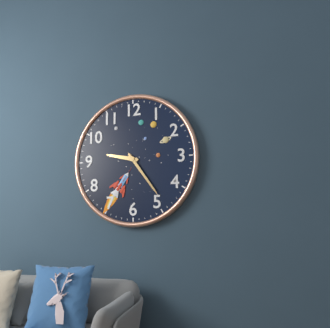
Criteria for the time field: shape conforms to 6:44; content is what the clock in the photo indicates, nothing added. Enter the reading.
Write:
9:24
